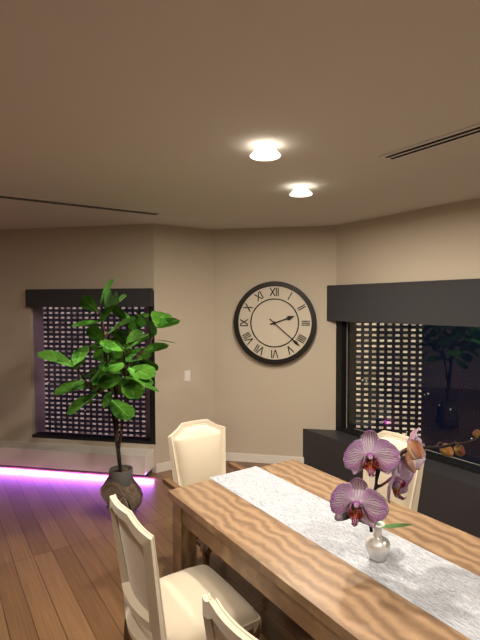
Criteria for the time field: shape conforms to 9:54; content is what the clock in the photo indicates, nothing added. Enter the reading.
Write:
2:22
